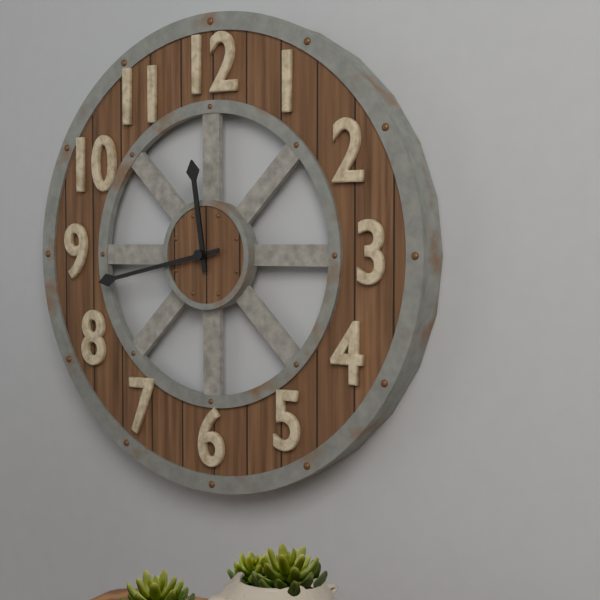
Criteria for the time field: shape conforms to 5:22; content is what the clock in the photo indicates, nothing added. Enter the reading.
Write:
11:43
